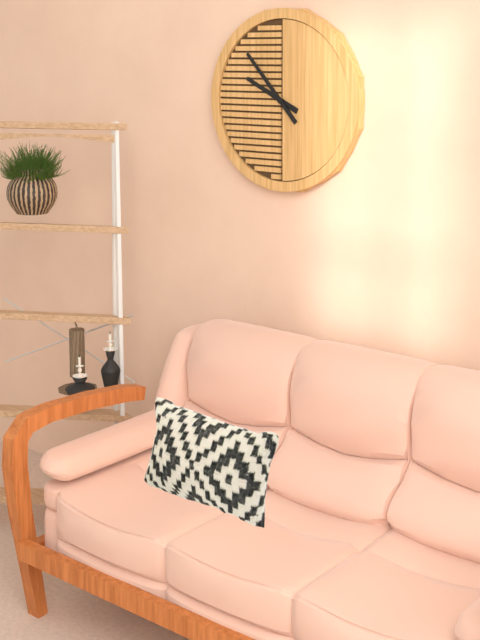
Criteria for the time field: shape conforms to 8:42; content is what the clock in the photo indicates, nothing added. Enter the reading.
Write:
9:53
